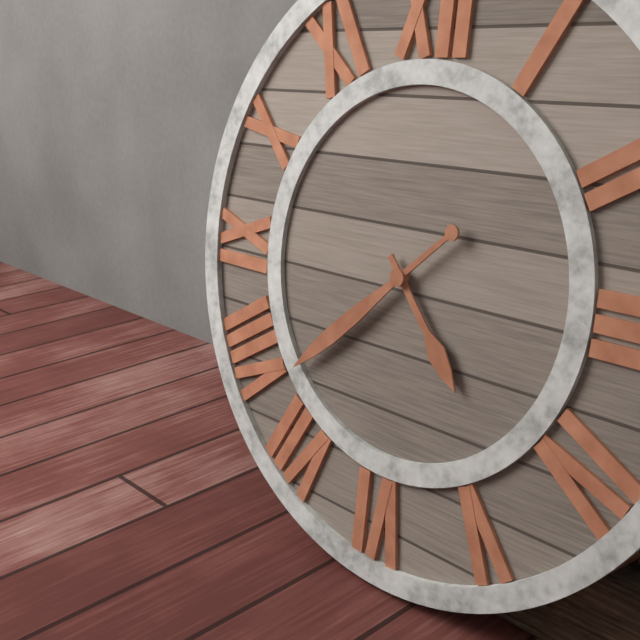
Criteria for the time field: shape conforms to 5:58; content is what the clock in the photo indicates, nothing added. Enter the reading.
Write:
4:38
